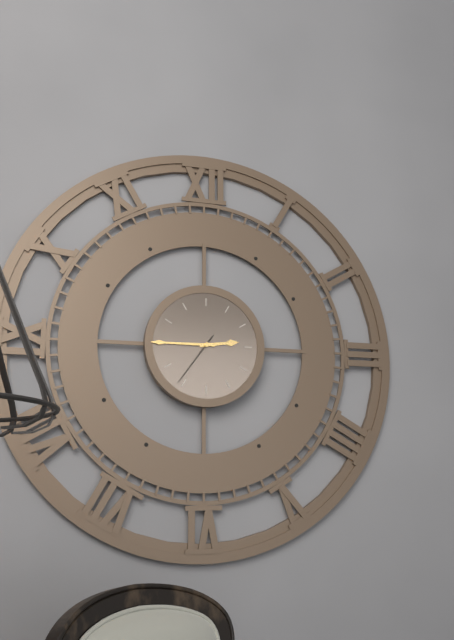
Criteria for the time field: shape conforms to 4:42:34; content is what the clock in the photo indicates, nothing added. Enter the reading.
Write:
2:45:36
